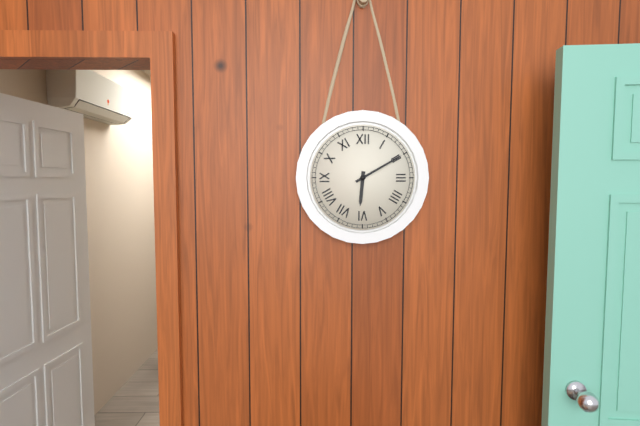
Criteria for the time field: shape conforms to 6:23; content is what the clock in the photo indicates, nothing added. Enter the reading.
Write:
6:10
